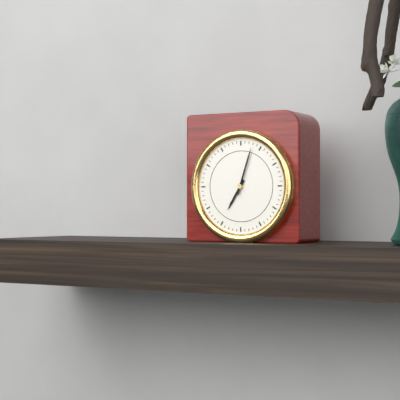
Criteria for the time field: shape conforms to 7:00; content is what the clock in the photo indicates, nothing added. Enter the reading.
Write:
7:03
